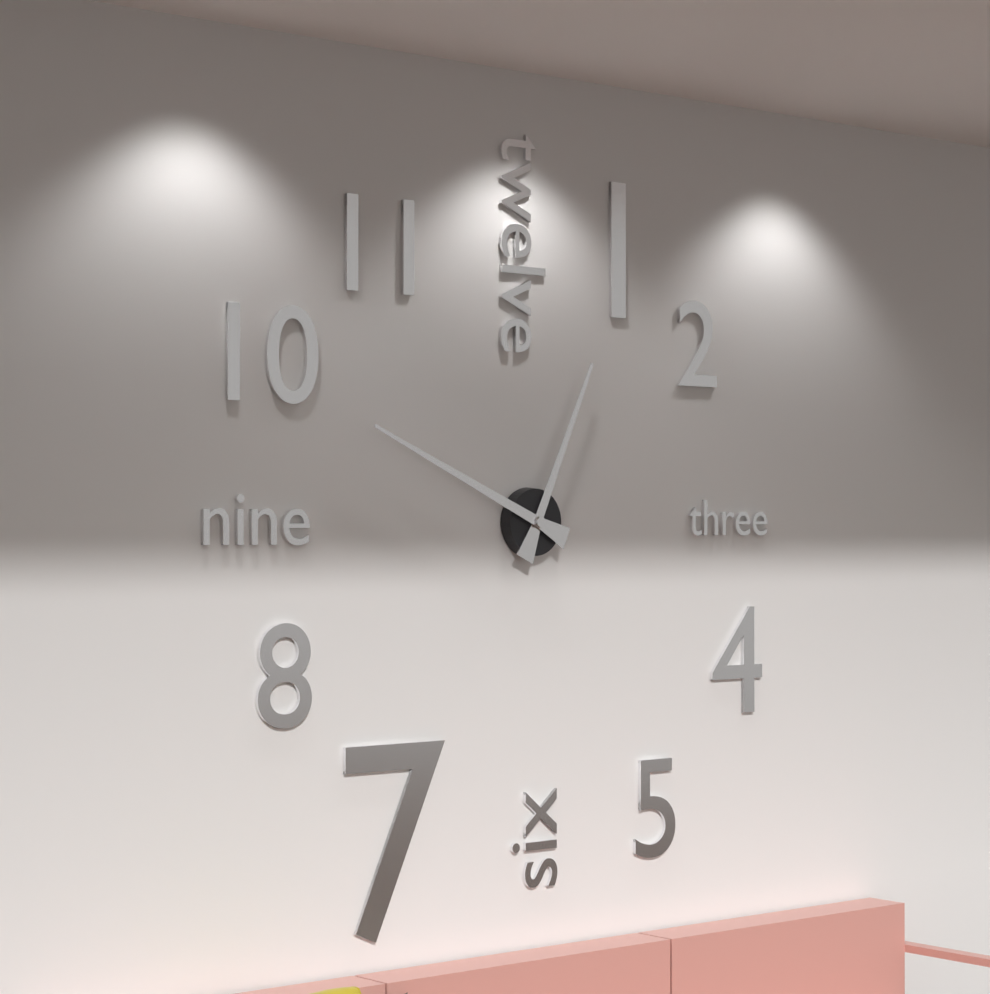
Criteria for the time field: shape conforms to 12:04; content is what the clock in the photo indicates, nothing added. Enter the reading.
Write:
12:49
